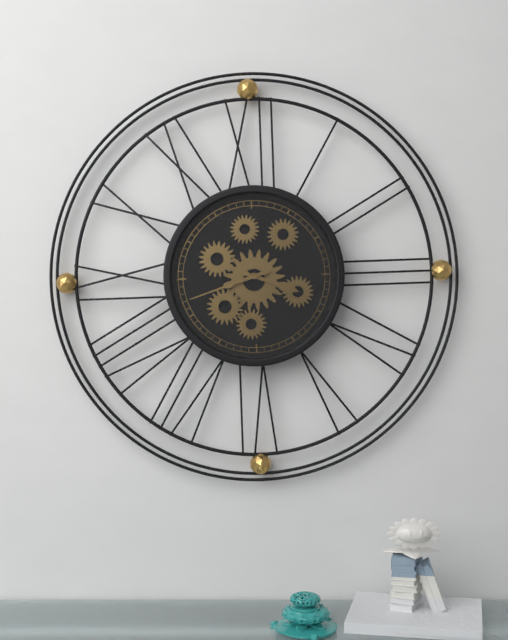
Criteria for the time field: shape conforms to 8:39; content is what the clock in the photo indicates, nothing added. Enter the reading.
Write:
3:42
